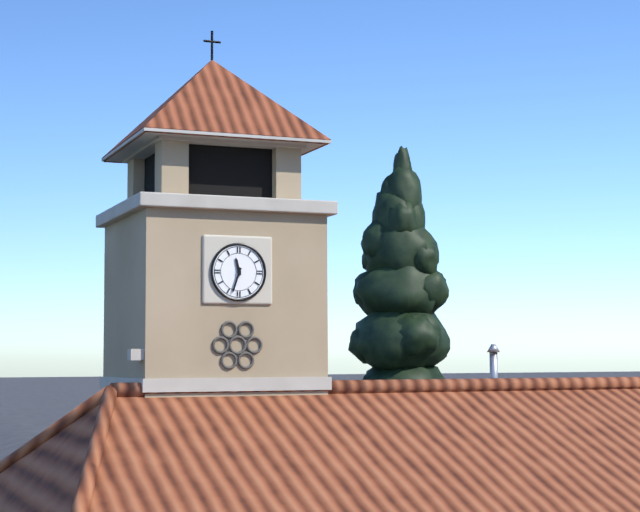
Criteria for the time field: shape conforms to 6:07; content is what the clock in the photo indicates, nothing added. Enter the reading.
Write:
11:33
